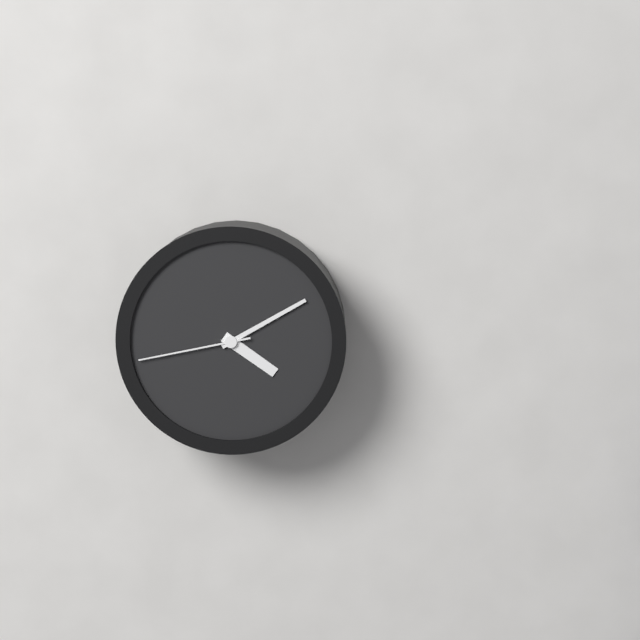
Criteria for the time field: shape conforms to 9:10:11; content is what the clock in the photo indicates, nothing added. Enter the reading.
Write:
4:10:43
